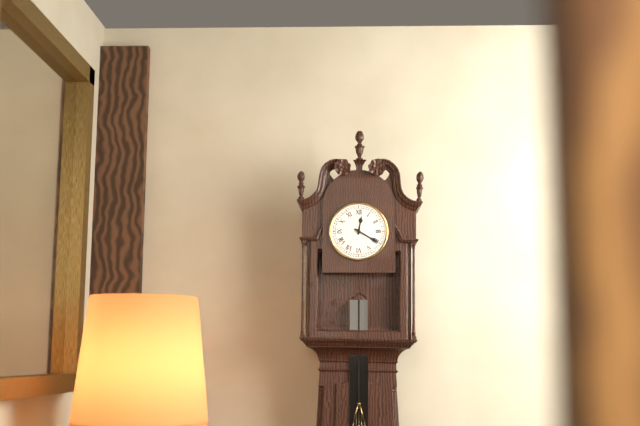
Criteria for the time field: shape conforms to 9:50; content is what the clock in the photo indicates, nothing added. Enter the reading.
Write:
12:20
